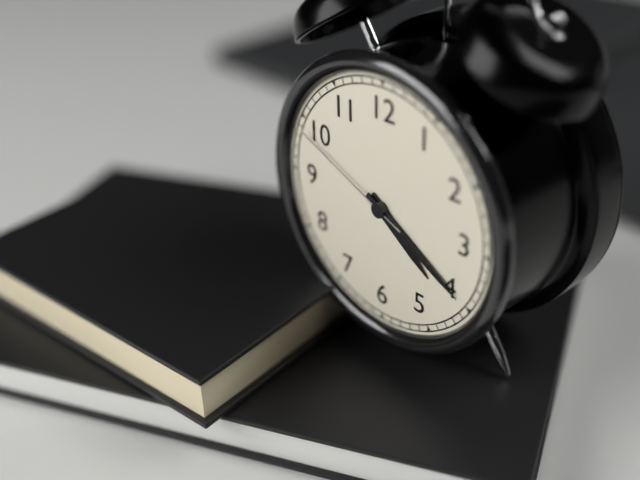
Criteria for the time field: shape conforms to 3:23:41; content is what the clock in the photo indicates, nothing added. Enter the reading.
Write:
4:20:49
